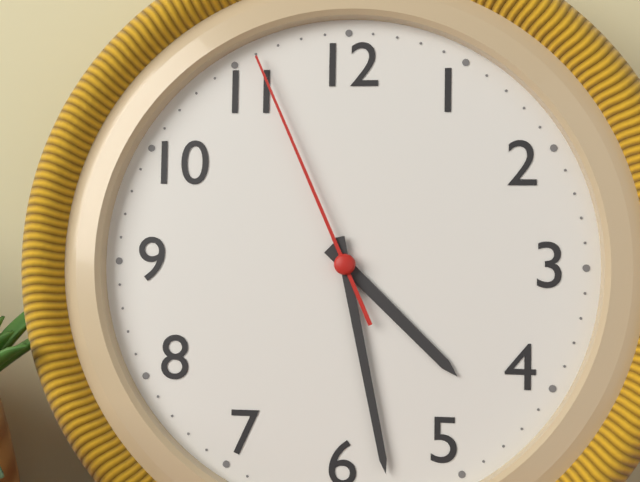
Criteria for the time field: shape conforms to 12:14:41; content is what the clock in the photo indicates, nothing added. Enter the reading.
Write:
4:28:56
